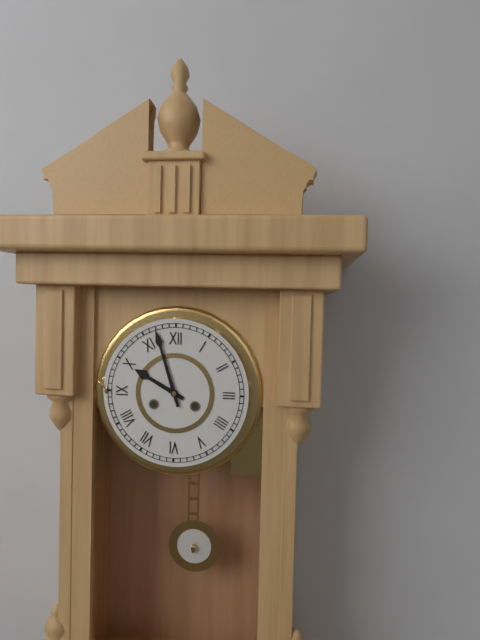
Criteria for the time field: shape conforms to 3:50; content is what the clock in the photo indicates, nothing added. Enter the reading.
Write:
9:57
